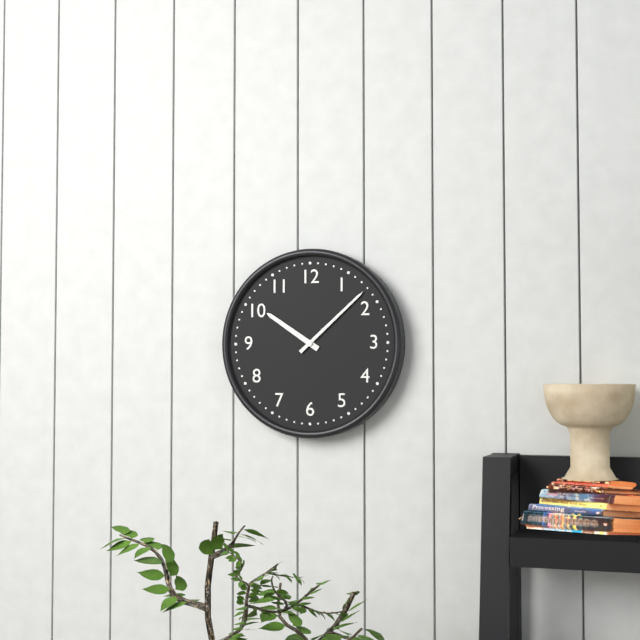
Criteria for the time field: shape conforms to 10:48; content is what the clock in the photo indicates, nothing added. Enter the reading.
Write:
10:08
